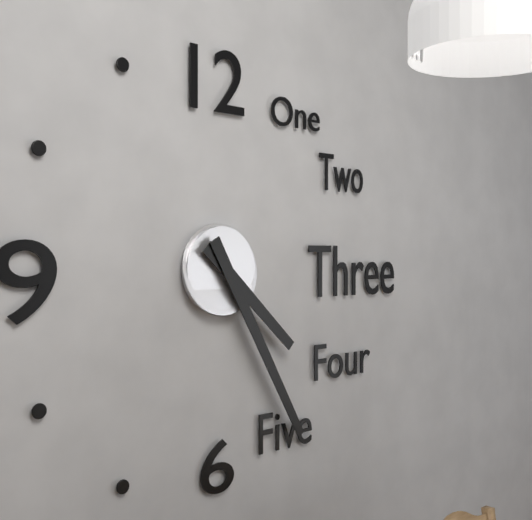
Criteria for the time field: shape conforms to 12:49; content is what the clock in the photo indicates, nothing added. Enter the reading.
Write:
4:25
